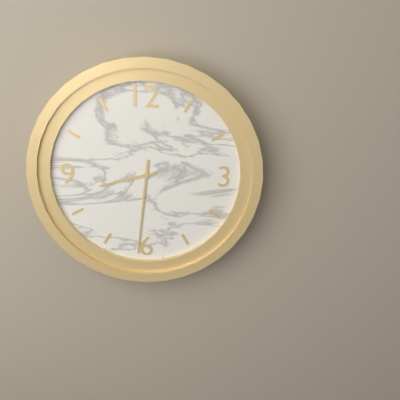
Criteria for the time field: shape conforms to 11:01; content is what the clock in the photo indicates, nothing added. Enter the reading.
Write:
8:31
